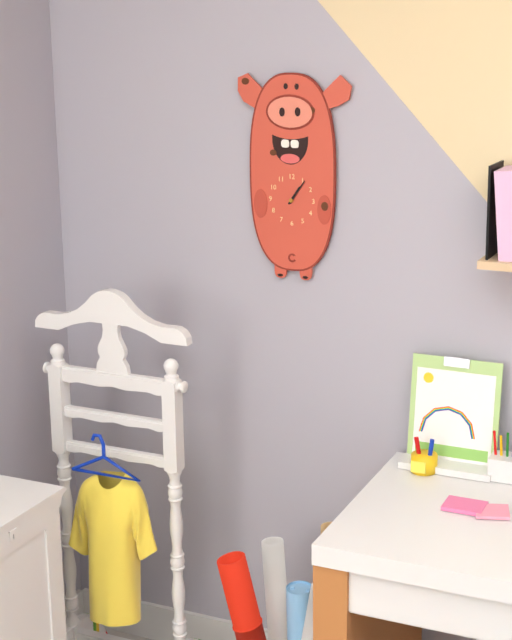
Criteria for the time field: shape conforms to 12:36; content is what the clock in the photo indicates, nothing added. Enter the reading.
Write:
1:06
